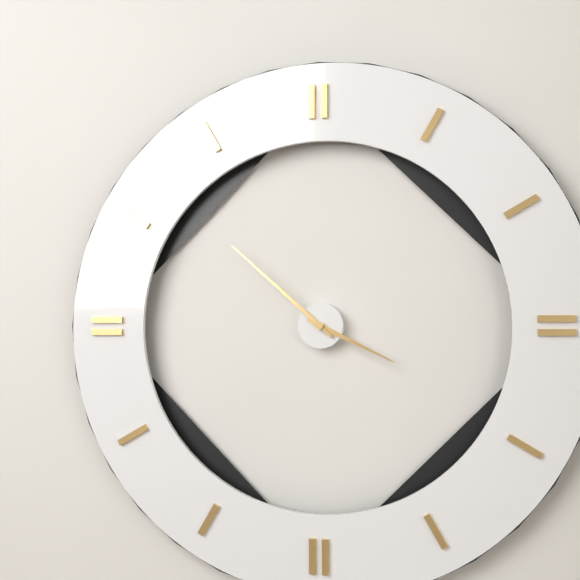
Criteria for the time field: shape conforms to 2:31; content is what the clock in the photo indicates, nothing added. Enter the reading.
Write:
3:52
